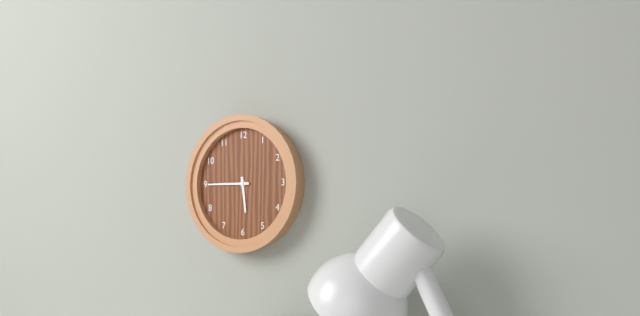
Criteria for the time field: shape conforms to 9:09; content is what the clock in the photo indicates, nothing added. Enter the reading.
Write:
5:45
